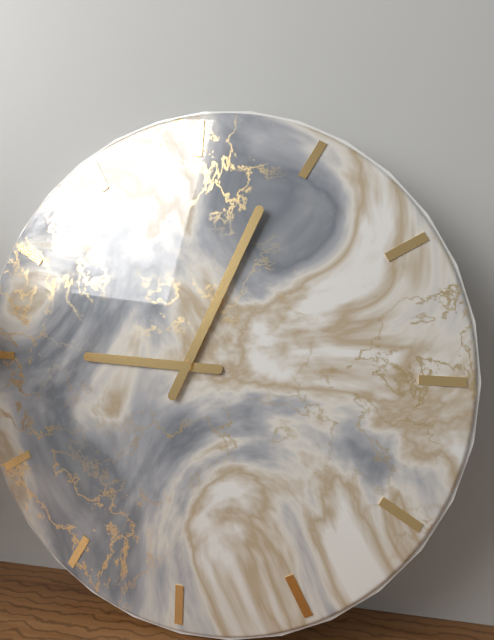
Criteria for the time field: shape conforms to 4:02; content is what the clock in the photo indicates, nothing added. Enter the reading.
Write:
9:04
